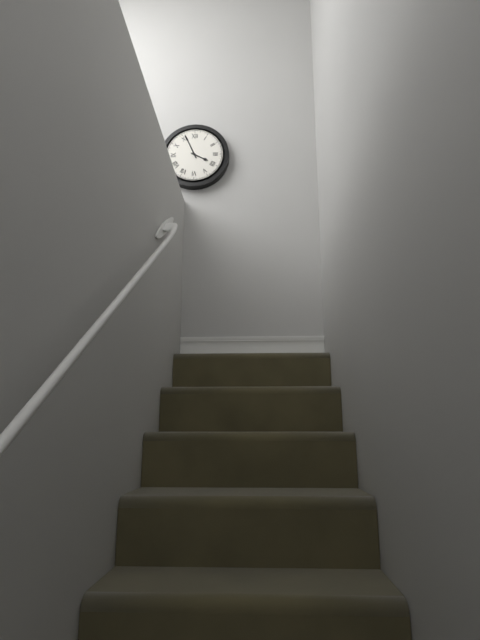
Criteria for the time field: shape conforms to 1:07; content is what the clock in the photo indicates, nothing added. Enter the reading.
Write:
3:56
